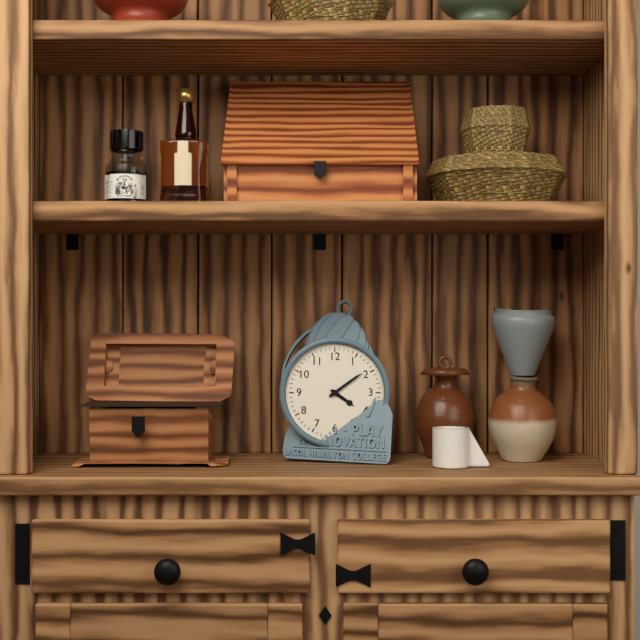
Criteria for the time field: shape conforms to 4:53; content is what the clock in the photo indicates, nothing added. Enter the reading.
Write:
4:09
